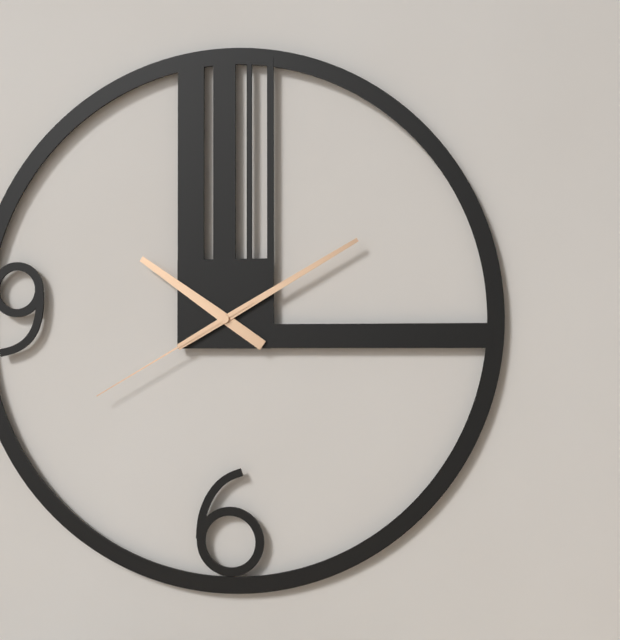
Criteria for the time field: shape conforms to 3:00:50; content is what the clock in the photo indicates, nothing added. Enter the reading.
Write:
10:10:40
